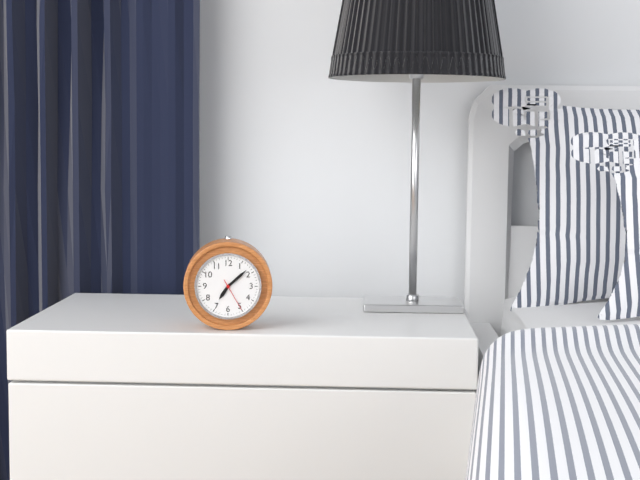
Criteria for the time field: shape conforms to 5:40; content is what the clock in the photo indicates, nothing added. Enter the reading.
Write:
7:08
